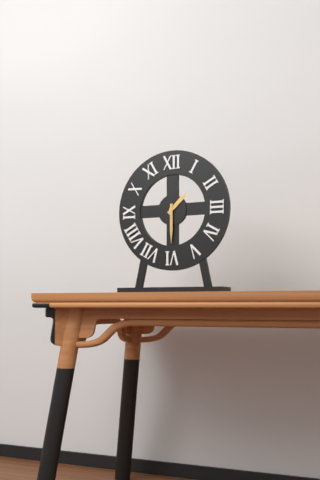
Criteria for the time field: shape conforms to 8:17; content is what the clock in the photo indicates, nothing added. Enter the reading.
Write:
1:30
